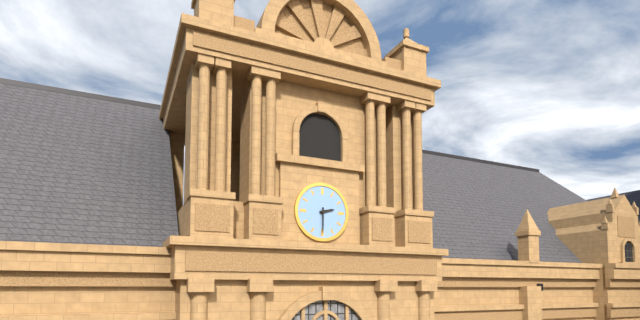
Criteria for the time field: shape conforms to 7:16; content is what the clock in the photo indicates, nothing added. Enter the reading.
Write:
2:30
